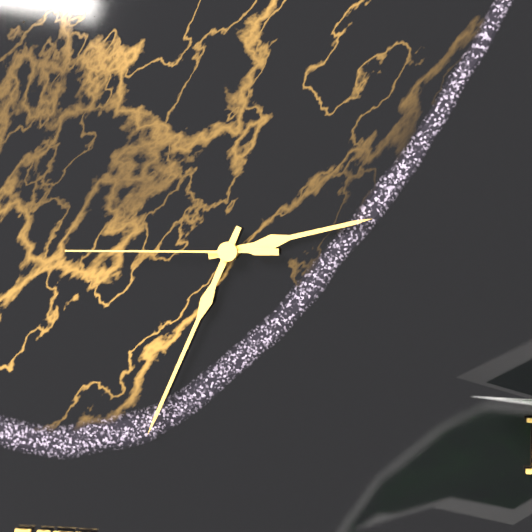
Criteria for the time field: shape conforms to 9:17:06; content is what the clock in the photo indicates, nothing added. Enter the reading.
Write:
2:34:45
